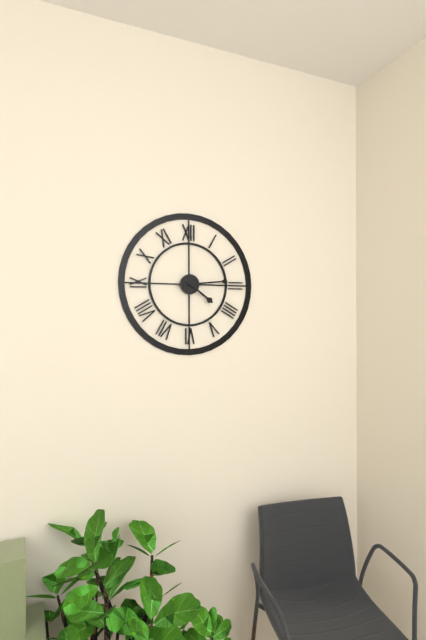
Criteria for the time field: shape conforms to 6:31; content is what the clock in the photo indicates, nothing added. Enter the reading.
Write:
4:14
